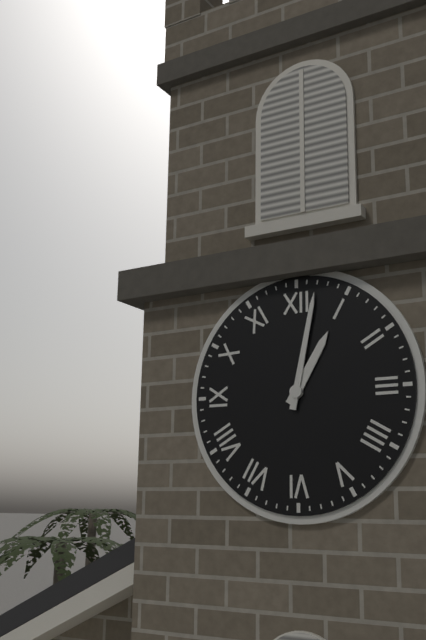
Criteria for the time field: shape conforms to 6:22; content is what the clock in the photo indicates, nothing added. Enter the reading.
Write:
1:02
